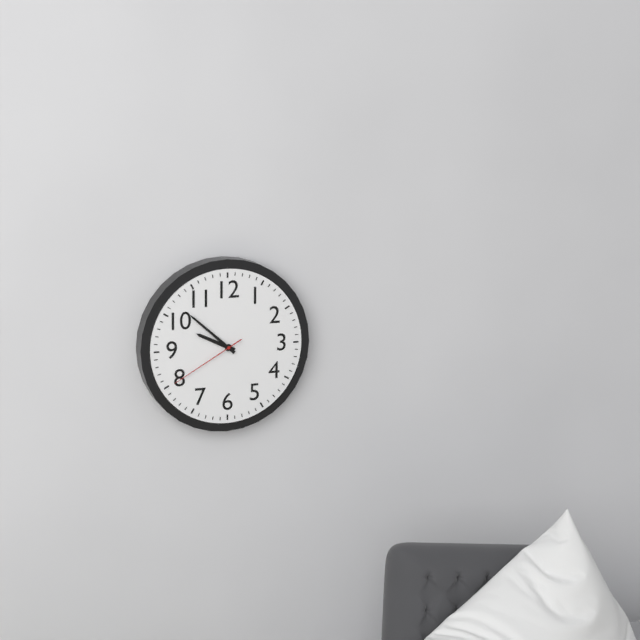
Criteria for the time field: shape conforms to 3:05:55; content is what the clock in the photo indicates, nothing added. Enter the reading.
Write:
9:52:40
